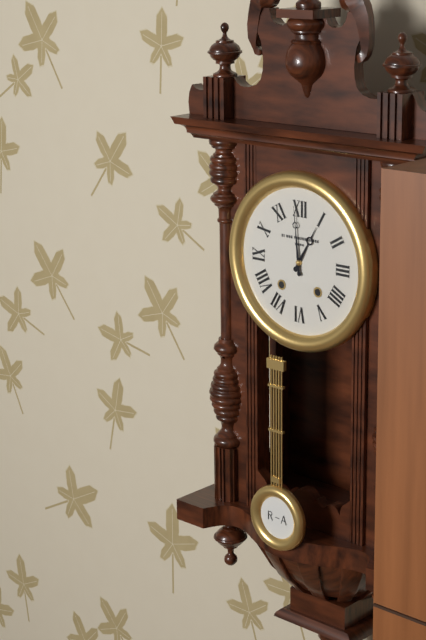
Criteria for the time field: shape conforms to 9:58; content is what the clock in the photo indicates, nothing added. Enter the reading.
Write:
12:59
